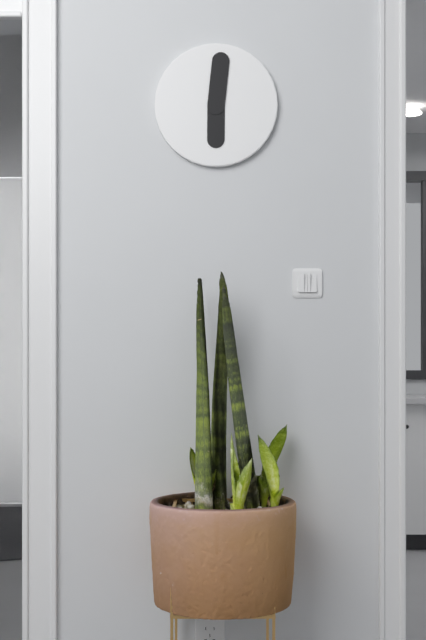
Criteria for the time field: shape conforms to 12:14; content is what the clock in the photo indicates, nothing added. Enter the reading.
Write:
6:01
